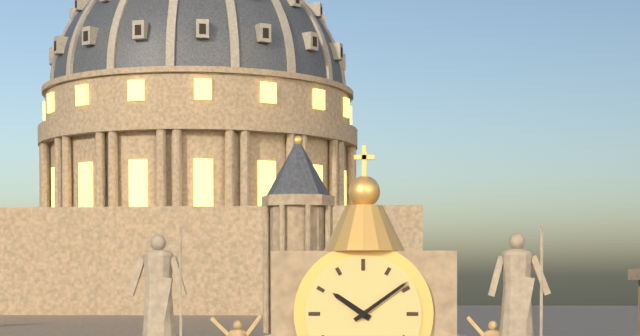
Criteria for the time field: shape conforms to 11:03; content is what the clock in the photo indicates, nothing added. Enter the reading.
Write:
10:09
